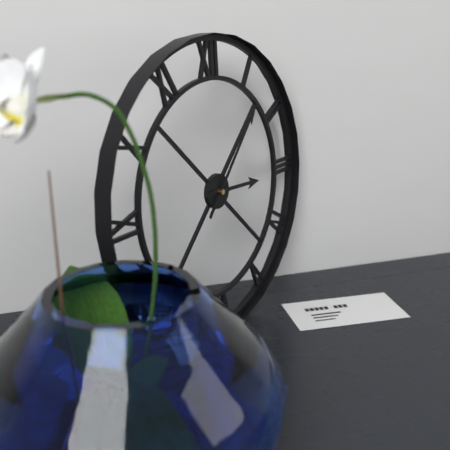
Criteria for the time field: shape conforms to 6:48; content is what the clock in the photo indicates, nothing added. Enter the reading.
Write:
3:07
